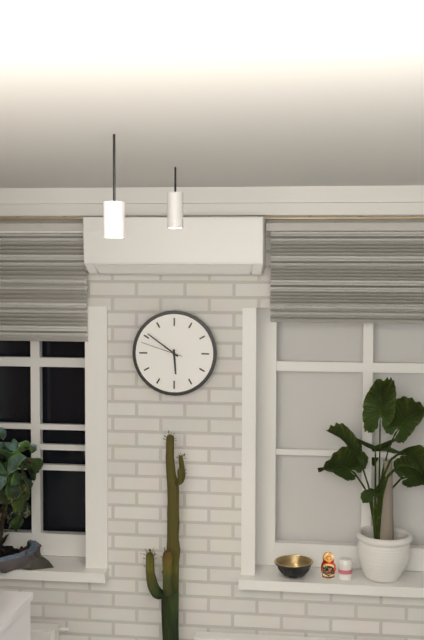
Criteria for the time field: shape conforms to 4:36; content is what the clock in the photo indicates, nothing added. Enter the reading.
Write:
5:51
